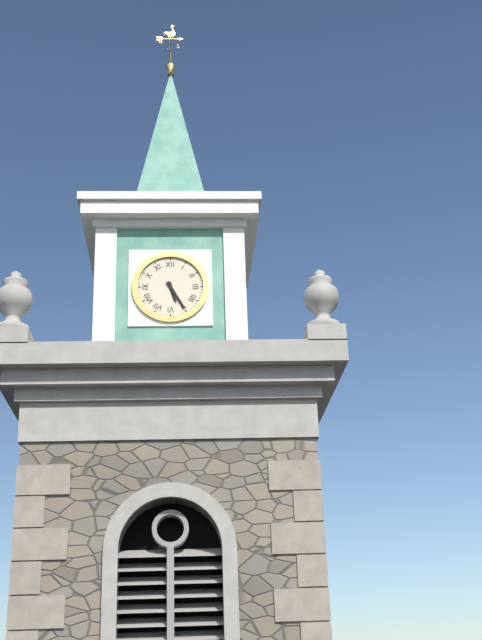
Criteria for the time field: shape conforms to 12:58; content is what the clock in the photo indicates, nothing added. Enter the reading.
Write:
5:25
